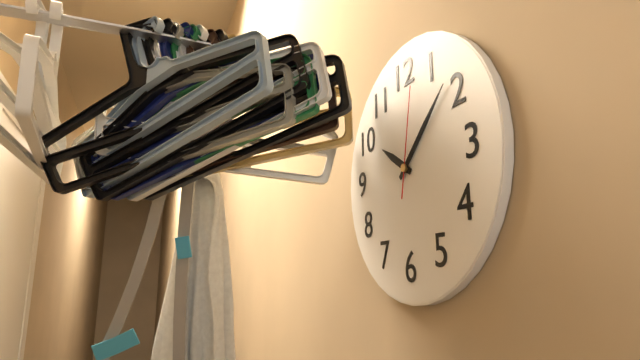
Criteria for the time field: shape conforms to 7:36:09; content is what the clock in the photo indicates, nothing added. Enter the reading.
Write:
10:08:02
